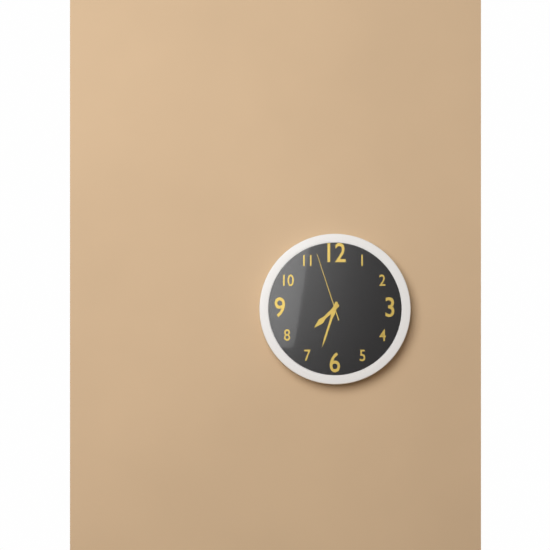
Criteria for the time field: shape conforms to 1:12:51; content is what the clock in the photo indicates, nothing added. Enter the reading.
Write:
7:33:57
